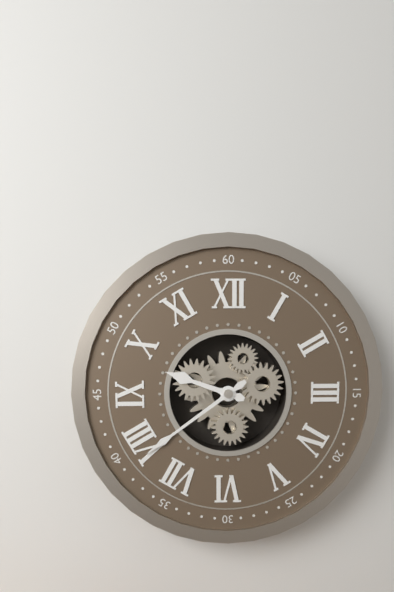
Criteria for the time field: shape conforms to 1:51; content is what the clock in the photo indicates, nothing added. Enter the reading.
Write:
9:39
